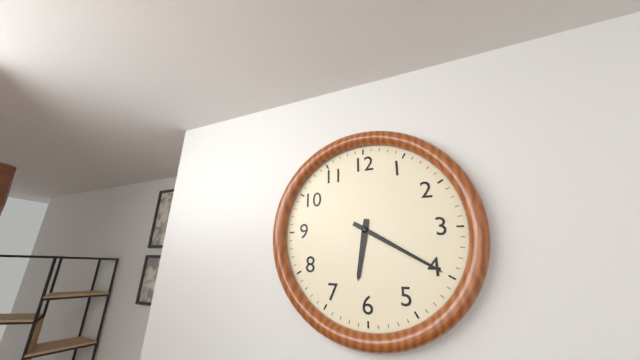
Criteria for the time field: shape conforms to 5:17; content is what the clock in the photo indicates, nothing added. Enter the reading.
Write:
6:20
